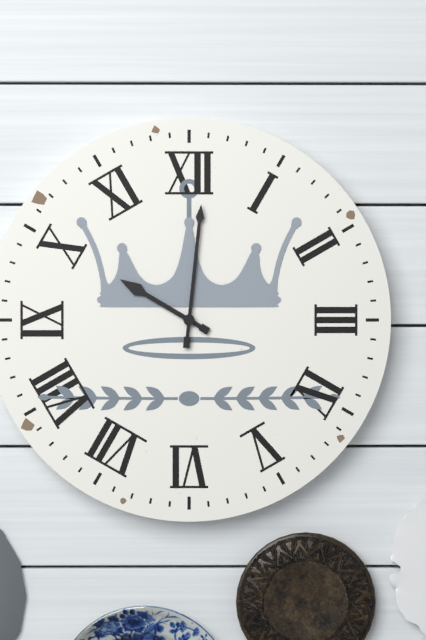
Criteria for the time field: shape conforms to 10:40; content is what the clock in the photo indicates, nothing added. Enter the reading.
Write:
10:01
